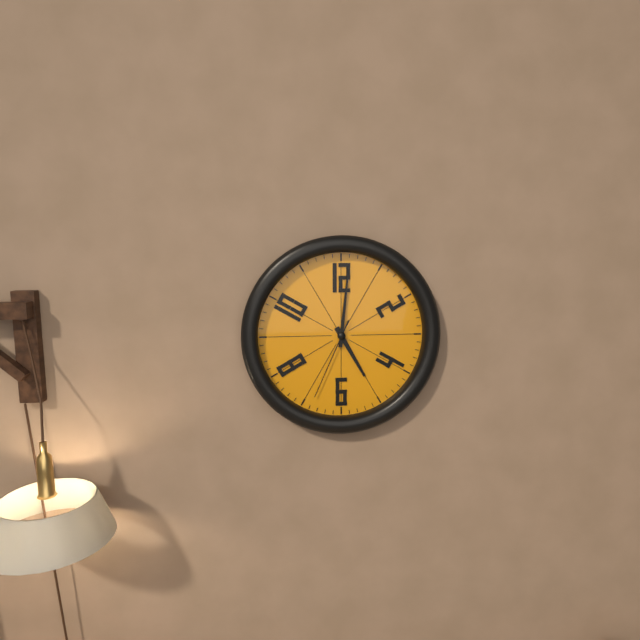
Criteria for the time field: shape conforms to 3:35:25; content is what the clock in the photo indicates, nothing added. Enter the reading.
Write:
5:01:34
